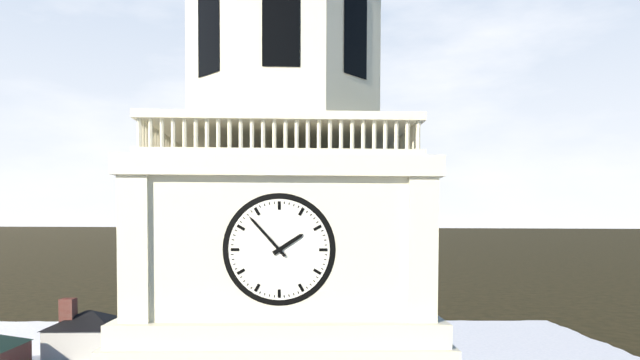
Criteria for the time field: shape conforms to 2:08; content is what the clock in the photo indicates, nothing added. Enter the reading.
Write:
1:53
